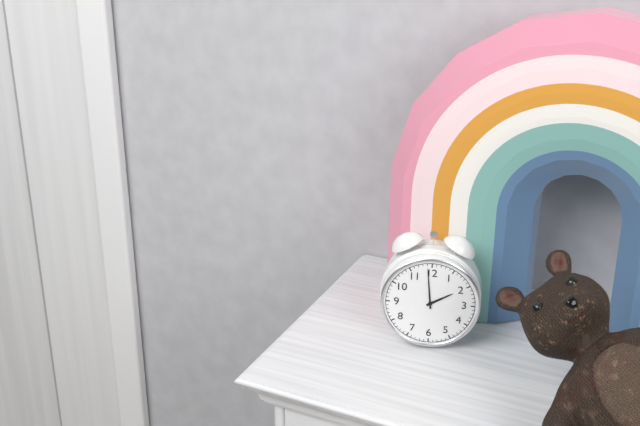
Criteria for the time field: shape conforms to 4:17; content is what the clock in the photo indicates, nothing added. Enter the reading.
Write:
1:59
